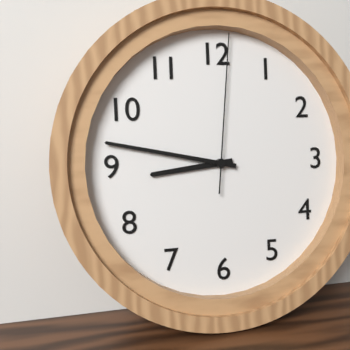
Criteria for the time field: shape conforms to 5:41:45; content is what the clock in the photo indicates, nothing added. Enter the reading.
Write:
8:47:01
